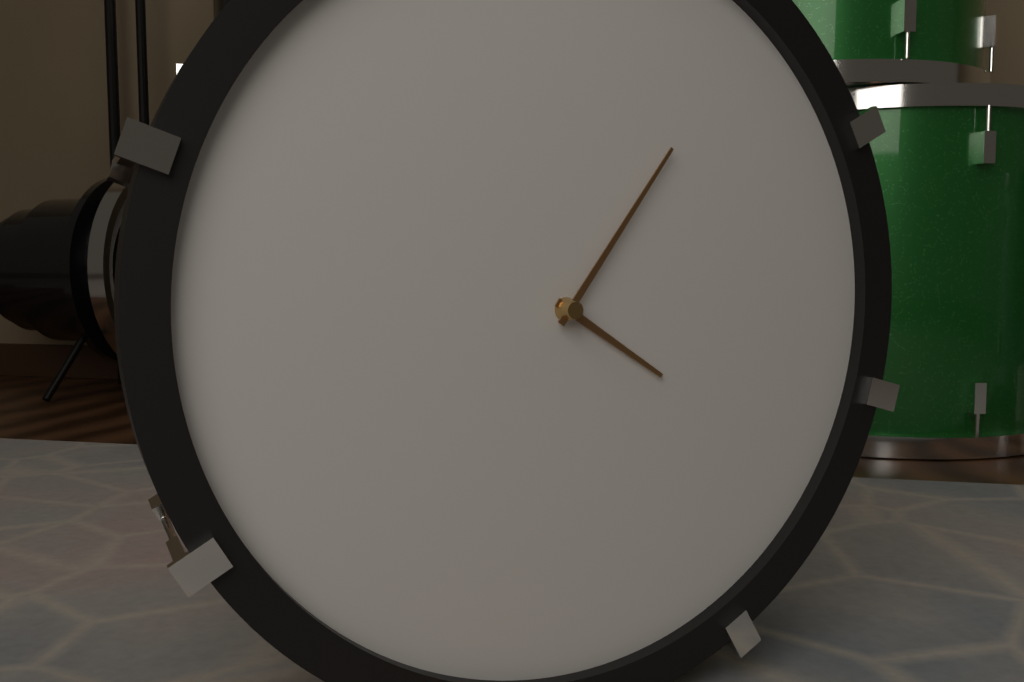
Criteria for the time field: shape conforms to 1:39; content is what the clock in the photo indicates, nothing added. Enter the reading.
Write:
4:06
